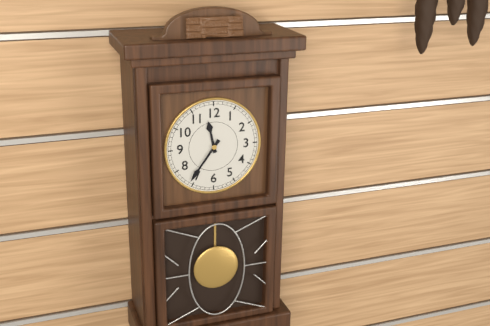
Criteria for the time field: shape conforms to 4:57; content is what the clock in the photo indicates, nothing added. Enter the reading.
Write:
11:36
